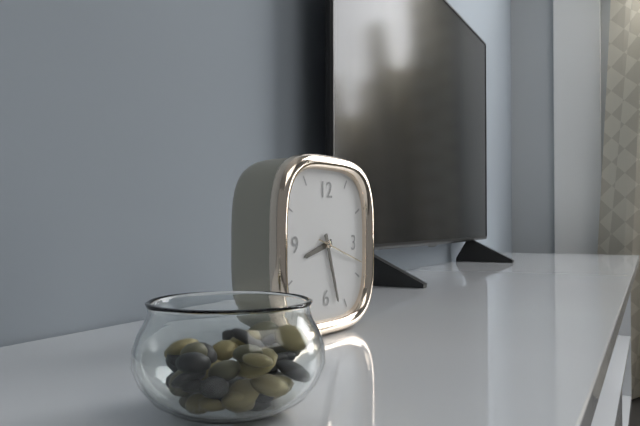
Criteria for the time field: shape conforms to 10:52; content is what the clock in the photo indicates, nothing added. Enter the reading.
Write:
8:27
